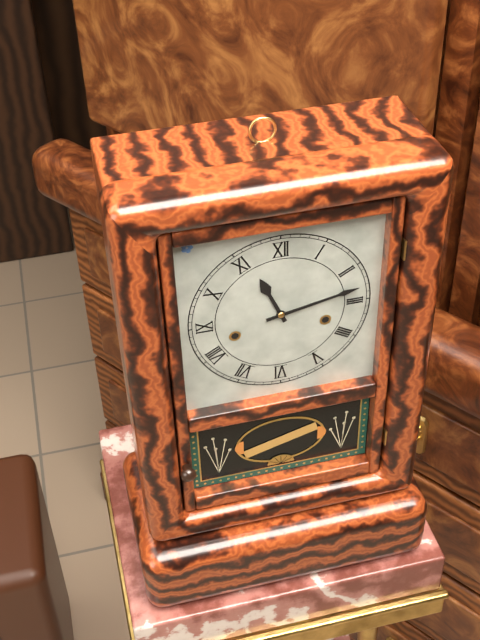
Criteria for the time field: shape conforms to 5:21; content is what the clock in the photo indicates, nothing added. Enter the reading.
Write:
11:13
